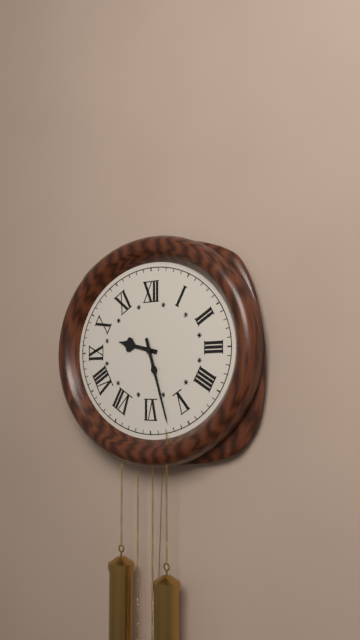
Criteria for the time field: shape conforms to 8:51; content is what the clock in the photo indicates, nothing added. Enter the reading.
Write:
9:27
